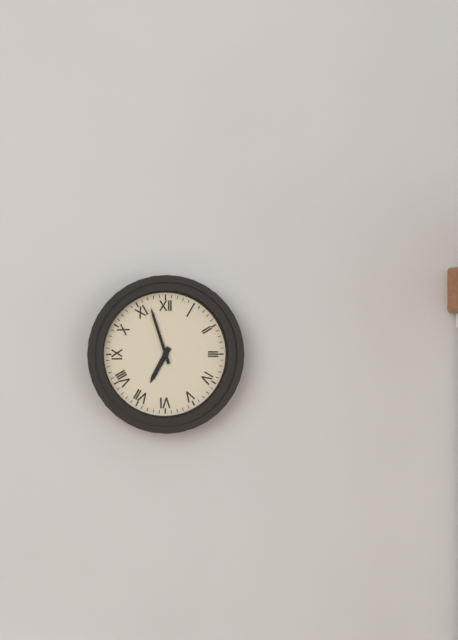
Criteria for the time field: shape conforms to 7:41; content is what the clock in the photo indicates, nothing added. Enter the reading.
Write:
6:57
